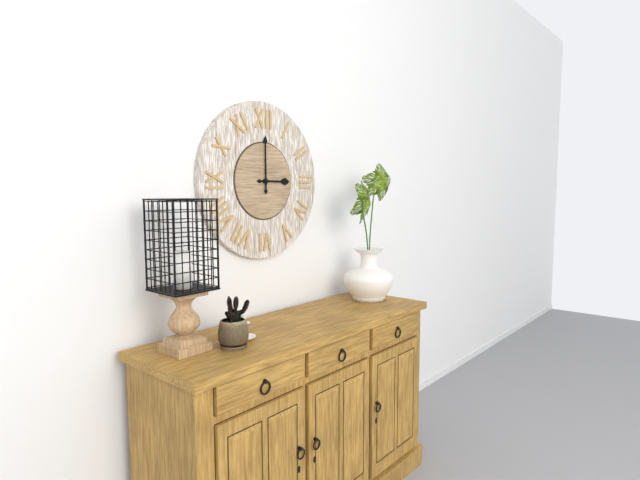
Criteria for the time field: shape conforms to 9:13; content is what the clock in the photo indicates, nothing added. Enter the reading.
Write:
3:00
